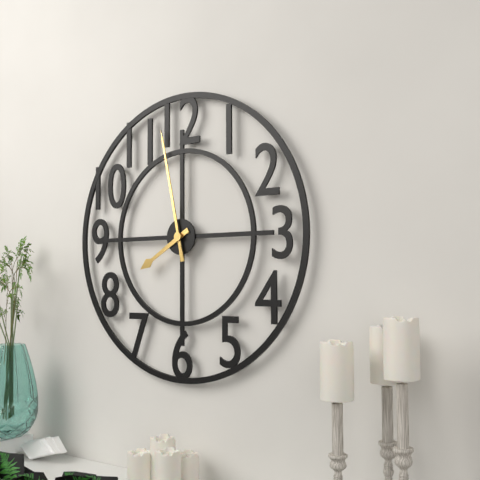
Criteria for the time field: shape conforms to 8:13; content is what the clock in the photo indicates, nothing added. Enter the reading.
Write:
7:58
